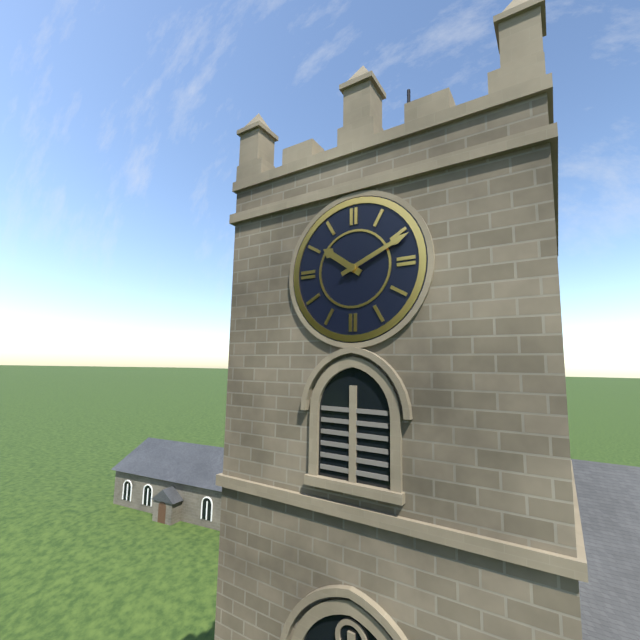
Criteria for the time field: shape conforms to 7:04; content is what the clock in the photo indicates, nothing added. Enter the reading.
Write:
10:11
